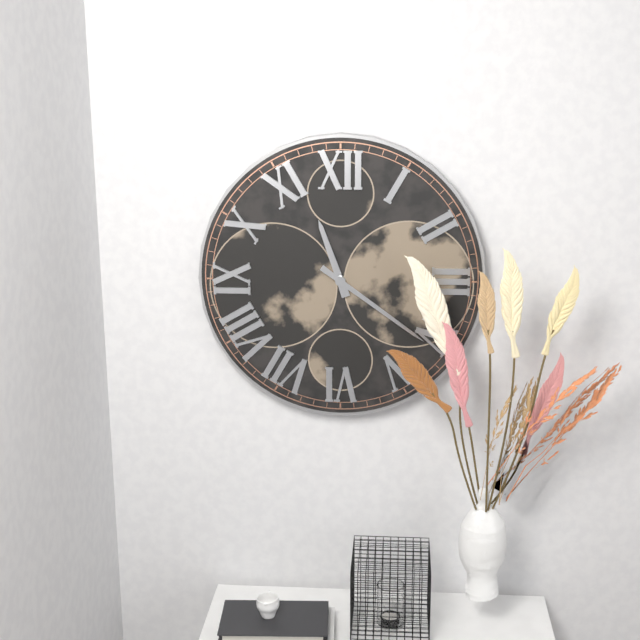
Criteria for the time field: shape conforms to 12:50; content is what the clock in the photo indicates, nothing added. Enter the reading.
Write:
11:21
